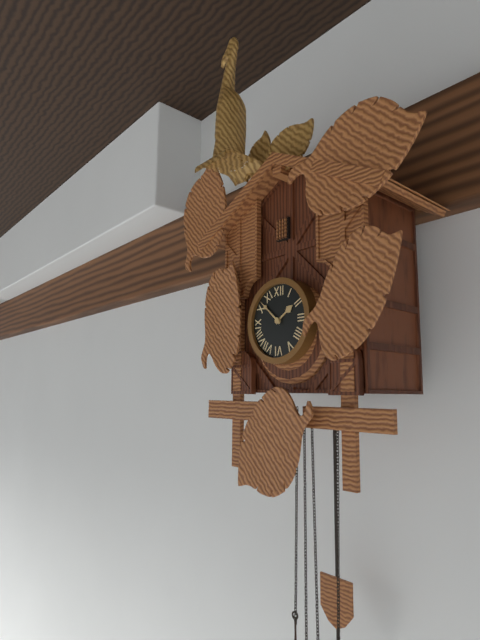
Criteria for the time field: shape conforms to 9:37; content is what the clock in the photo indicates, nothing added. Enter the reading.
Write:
1:52
